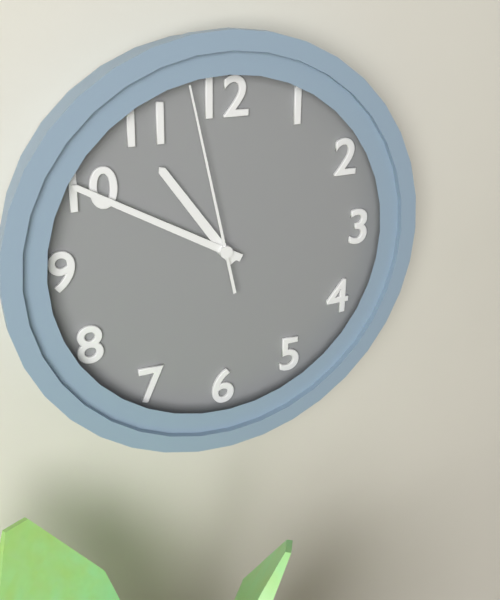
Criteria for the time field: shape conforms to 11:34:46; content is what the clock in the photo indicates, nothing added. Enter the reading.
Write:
10:50:58
